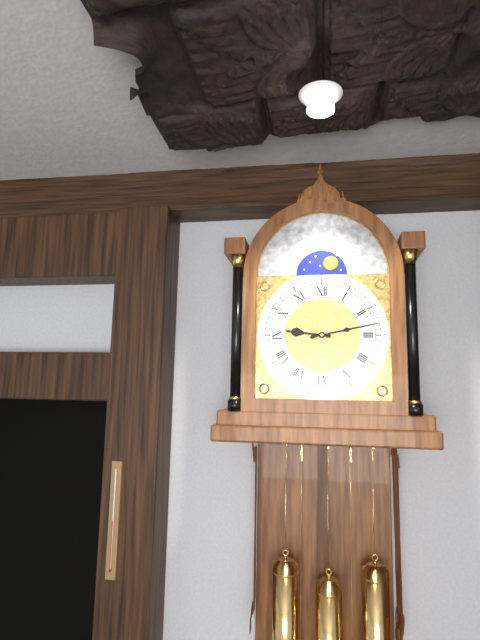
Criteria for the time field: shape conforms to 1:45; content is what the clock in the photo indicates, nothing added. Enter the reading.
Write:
9:13
